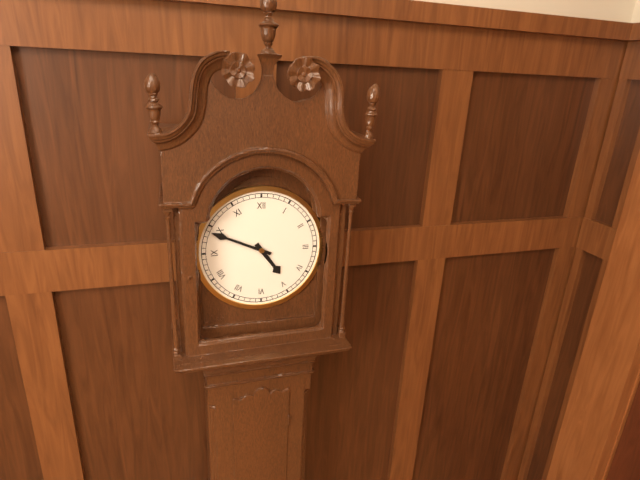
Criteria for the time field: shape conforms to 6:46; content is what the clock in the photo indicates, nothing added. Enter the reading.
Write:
4:49
